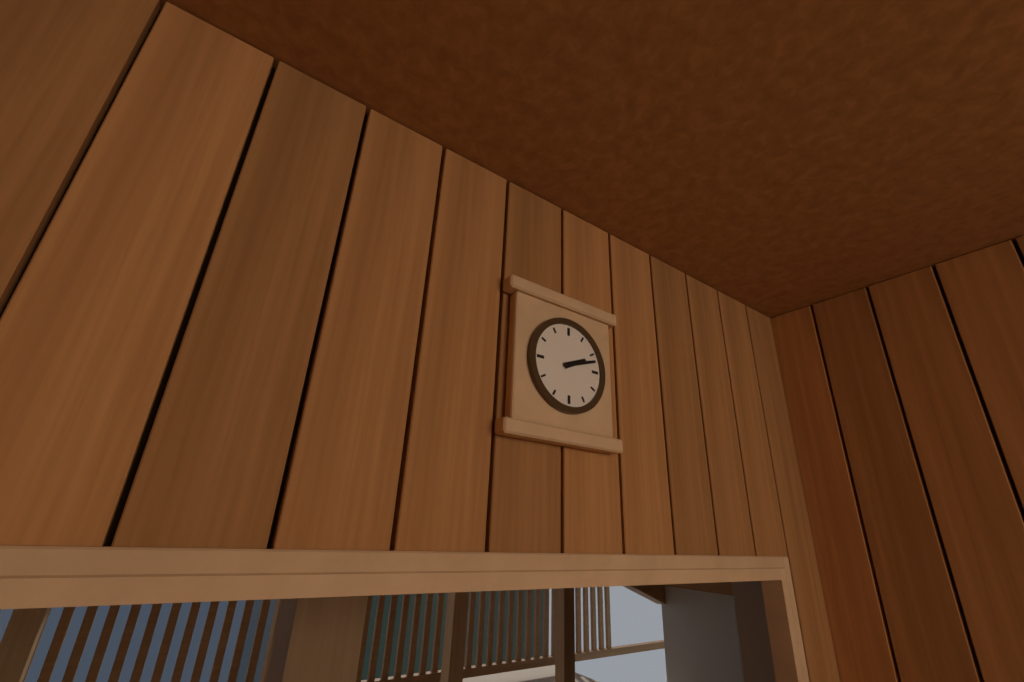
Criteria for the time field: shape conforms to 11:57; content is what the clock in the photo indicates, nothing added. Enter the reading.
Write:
2:12
